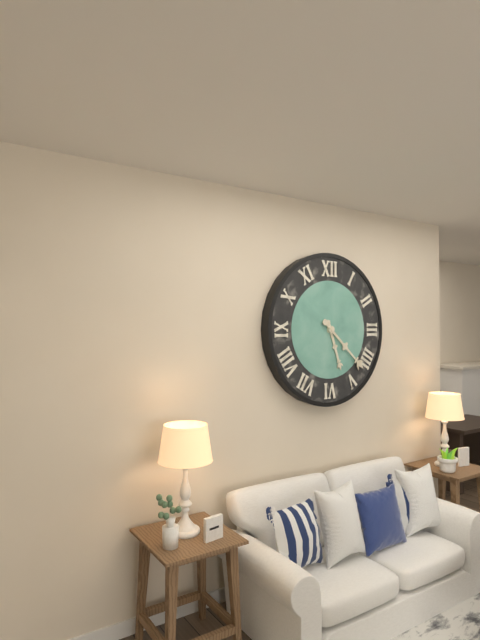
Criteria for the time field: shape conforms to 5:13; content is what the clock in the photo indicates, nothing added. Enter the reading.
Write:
5:22
